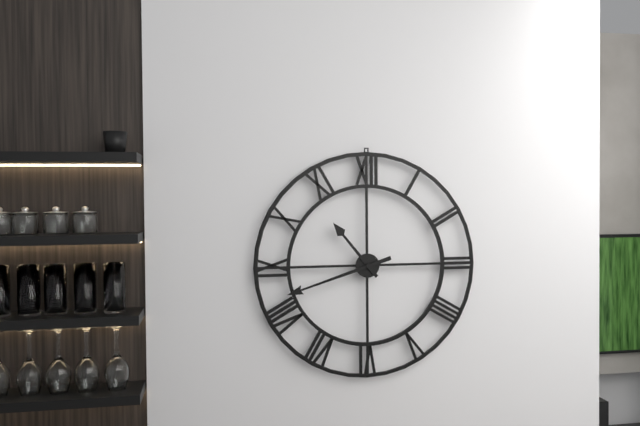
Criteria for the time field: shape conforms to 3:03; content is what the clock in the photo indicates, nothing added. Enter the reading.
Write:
10:42
